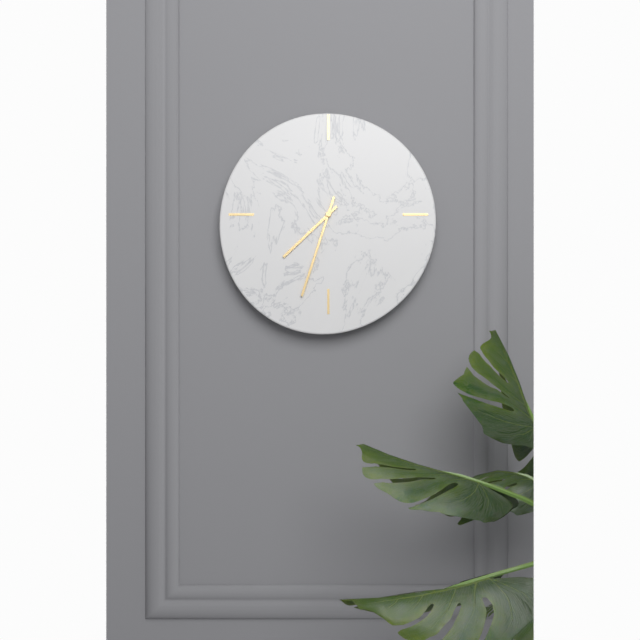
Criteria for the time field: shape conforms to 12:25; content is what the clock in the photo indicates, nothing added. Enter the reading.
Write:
7:33
